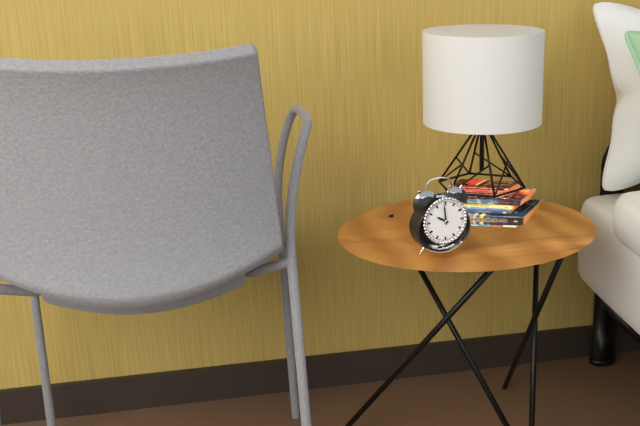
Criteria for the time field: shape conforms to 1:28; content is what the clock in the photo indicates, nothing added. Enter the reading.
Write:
9:59
